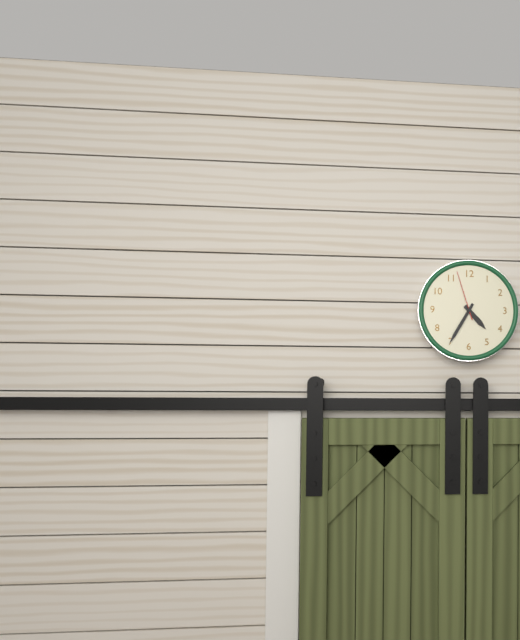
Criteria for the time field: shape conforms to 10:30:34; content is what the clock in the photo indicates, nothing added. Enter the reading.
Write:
4:35:57
